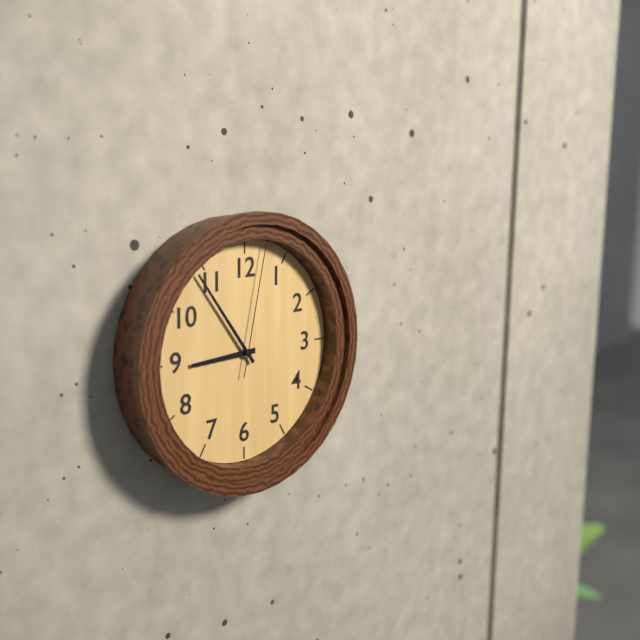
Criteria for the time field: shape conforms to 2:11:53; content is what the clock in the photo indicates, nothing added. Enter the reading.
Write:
8:54:02
